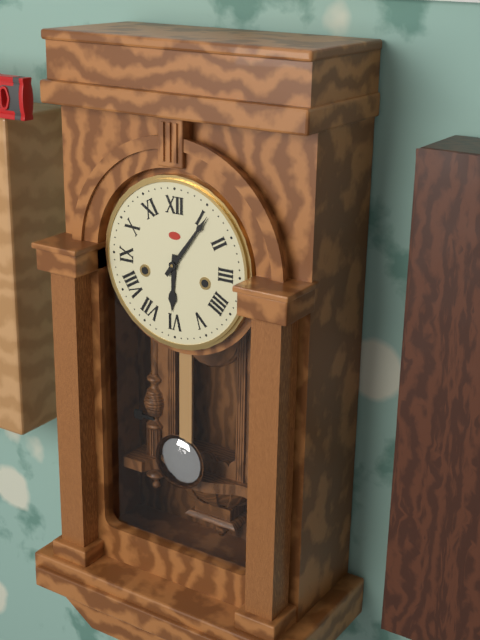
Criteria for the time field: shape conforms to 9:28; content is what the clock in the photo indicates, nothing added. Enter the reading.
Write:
6:06
